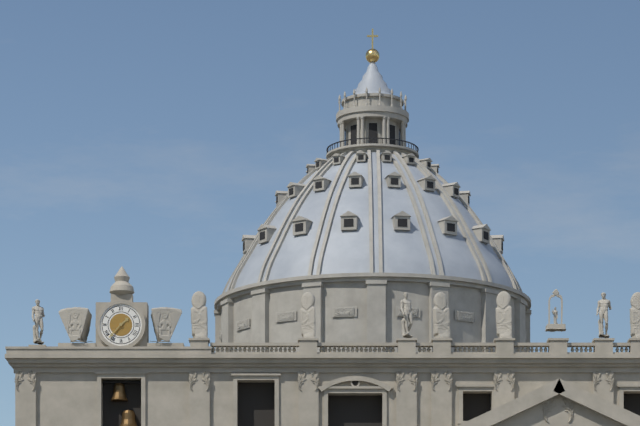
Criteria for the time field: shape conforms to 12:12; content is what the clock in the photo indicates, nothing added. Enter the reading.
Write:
1:37
